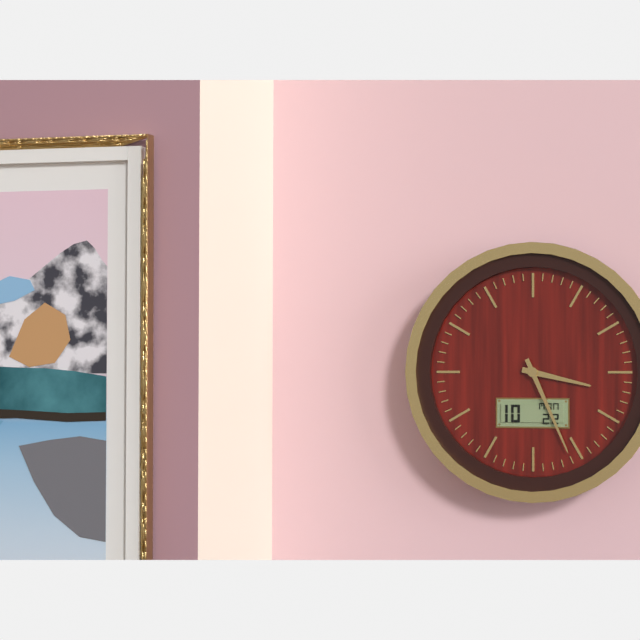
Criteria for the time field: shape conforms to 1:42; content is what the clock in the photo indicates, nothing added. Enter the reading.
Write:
3:26
